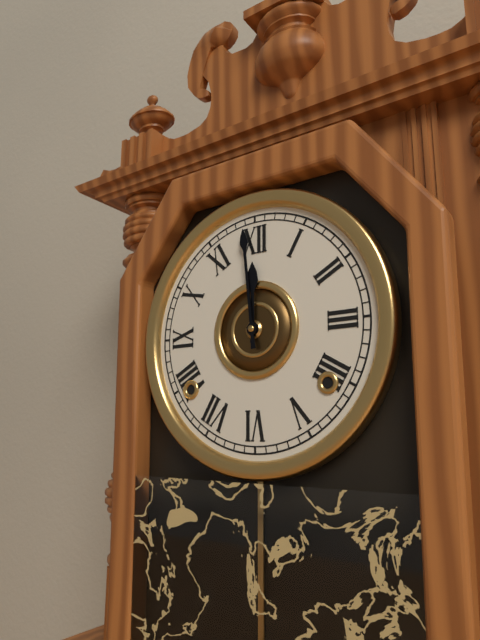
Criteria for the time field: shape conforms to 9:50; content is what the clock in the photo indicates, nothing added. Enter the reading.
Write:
11:59
